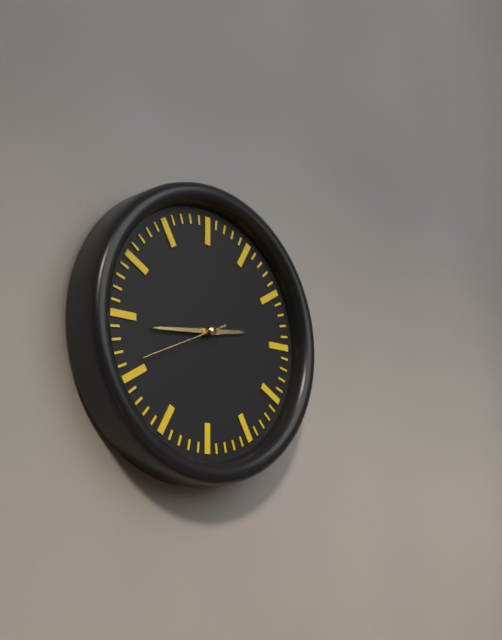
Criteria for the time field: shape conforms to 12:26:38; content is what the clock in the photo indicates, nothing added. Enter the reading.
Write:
2:44:41
